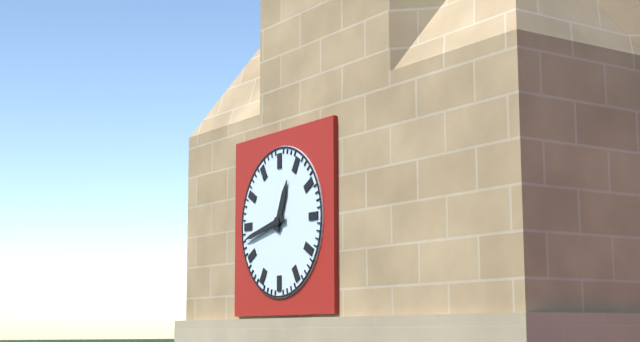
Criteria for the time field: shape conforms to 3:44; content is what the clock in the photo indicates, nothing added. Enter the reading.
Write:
12:43
